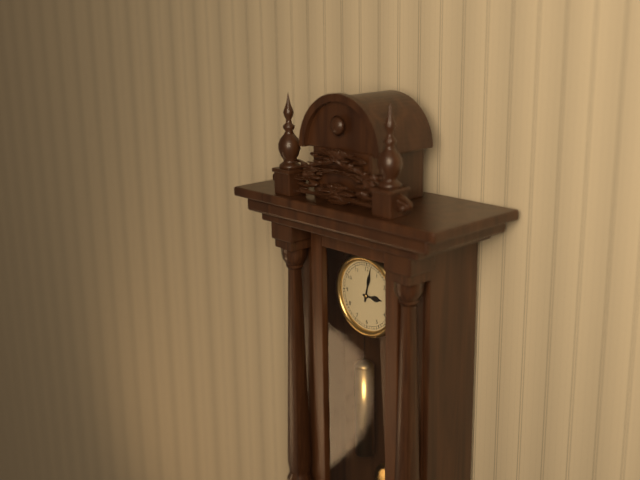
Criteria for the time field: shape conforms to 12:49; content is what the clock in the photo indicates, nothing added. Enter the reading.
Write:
3:02
